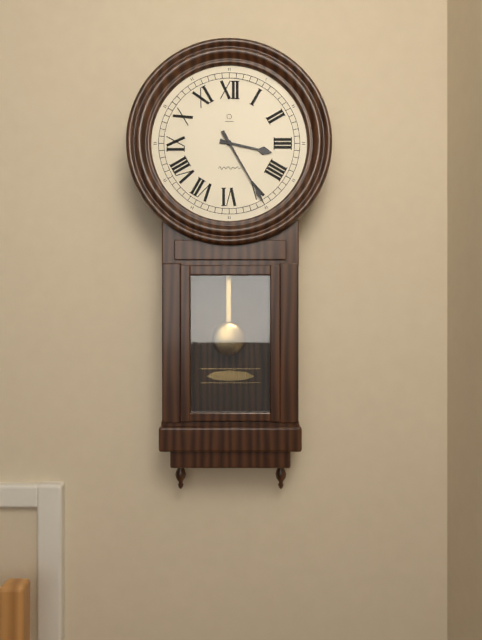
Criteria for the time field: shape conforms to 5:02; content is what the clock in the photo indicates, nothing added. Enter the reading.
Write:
3:25
